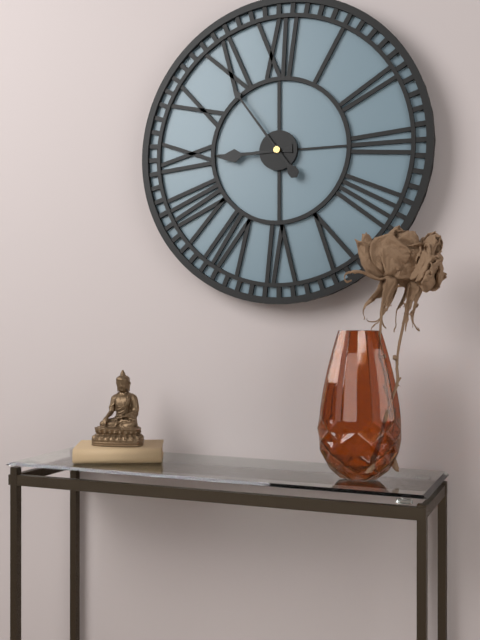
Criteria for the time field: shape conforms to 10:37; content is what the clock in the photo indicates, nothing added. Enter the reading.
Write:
8:54
